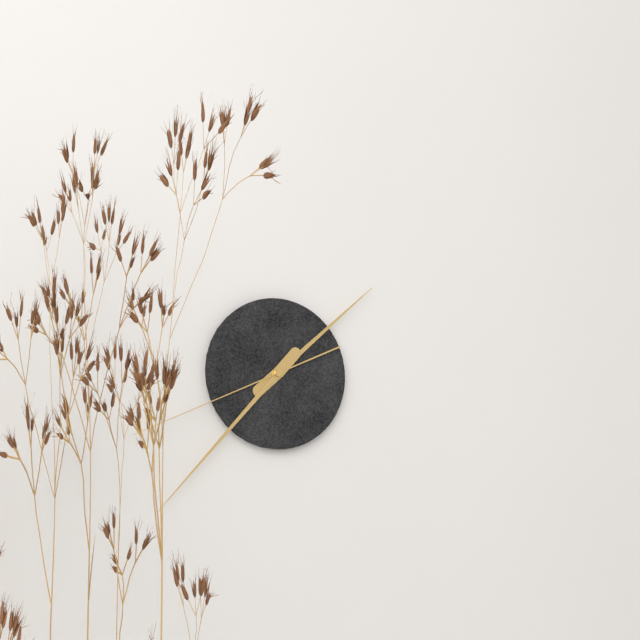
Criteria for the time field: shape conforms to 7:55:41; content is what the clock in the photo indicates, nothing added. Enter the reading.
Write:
1:37:41
